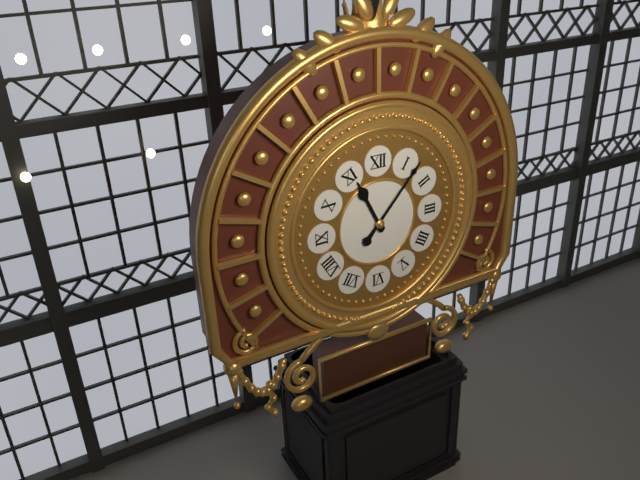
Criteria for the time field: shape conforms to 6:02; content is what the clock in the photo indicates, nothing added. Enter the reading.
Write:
11:07
